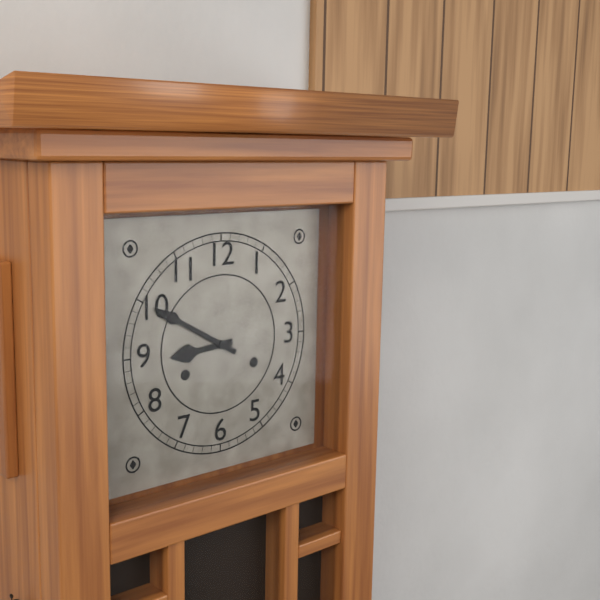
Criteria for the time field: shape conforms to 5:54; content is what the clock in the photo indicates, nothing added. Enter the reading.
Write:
8:50
